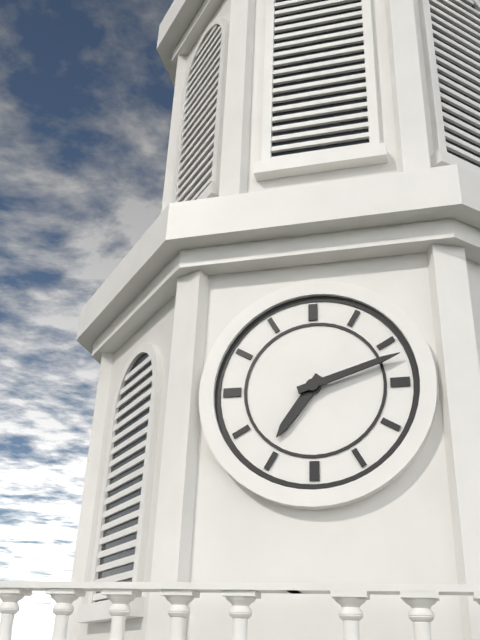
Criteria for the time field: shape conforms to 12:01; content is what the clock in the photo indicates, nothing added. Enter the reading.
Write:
7:12
